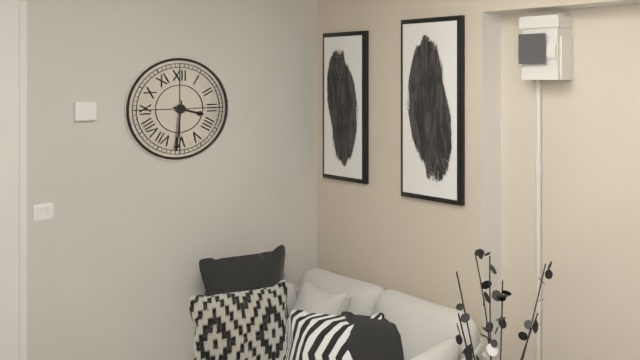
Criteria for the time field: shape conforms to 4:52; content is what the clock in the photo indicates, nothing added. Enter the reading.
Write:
3:31
